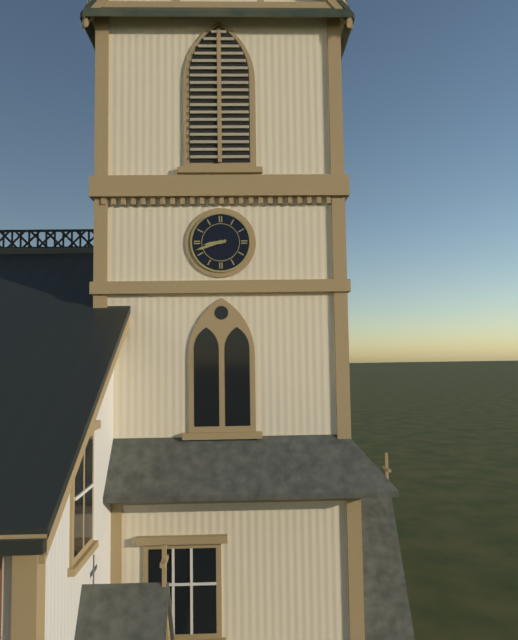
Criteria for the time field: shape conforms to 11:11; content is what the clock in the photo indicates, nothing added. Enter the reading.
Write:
8:42
